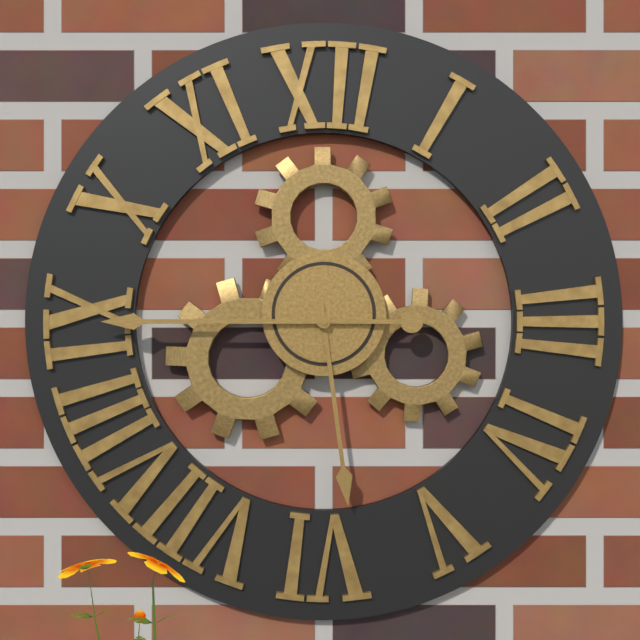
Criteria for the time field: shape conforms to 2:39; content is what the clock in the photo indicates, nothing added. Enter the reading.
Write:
5:45
